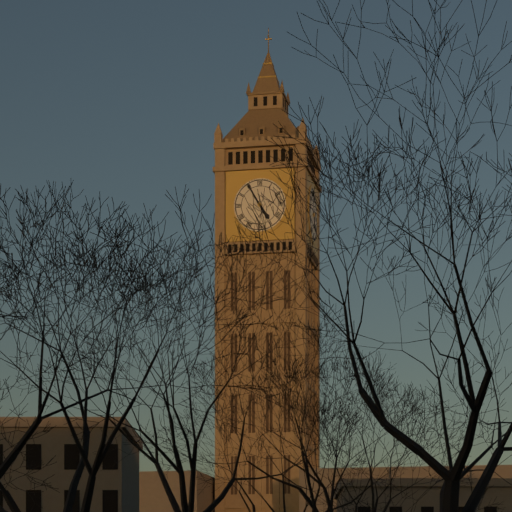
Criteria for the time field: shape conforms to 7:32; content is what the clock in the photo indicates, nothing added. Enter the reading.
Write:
4:55
